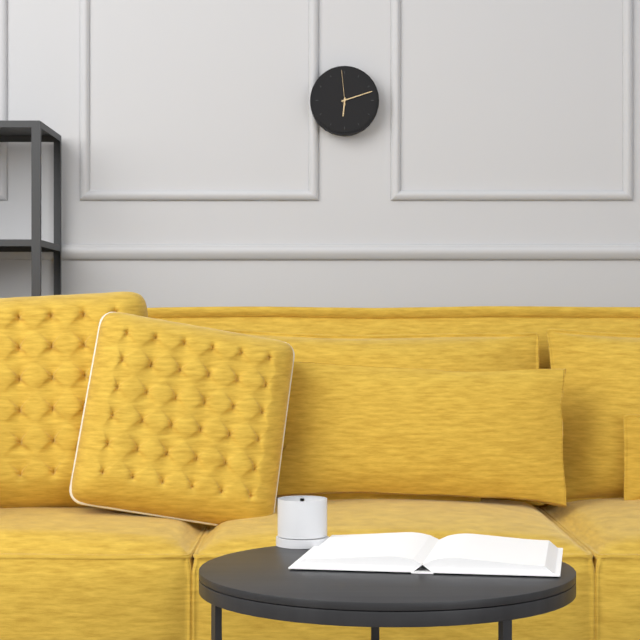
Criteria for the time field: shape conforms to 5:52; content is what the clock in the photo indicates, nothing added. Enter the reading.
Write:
6:12
